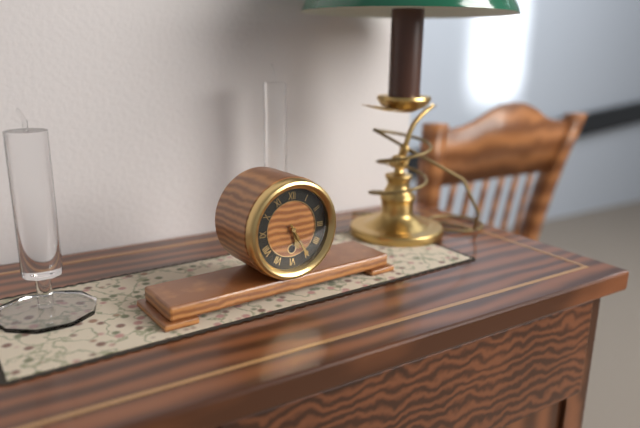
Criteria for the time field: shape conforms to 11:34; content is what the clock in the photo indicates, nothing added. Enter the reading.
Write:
5:25
